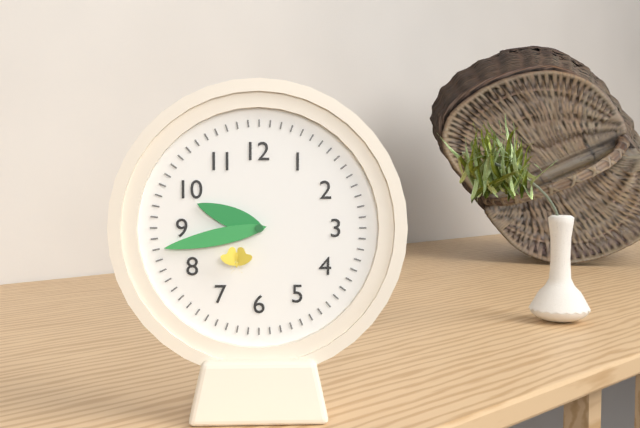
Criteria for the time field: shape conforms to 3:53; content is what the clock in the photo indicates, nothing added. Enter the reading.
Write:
9:43
